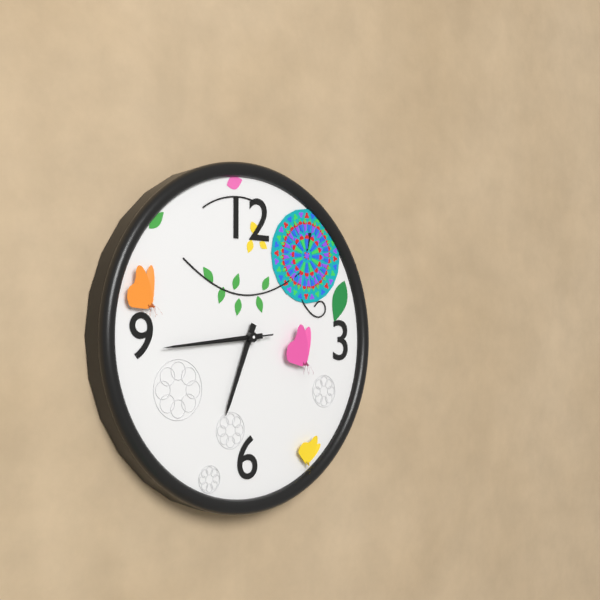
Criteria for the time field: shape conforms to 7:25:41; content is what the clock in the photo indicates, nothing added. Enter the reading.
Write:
6:44:44
